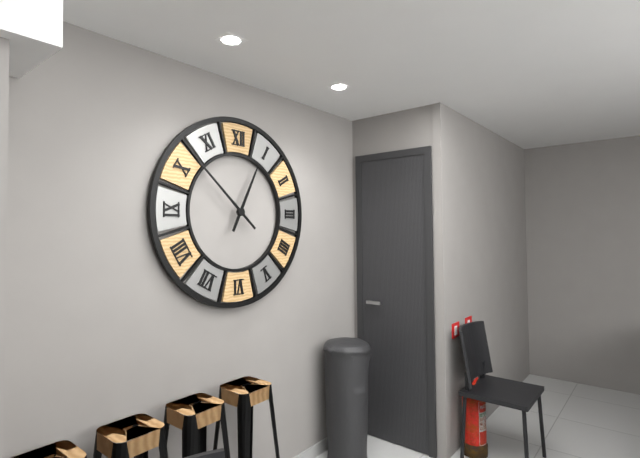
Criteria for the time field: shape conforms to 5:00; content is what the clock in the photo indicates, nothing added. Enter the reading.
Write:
12:52
